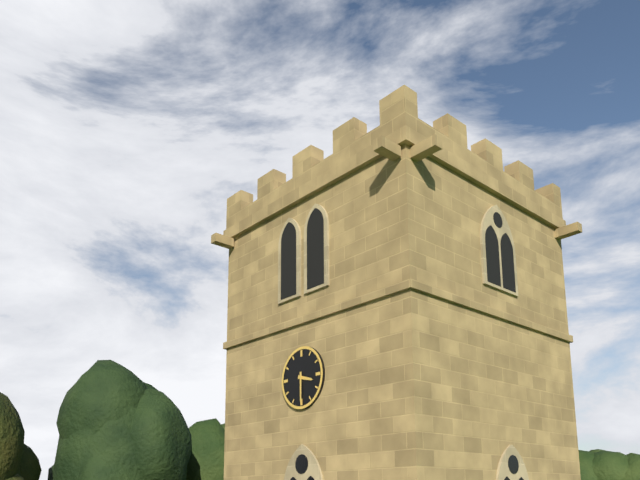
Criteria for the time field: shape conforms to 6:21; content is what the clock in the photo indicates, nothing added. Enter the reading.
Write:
3:30
